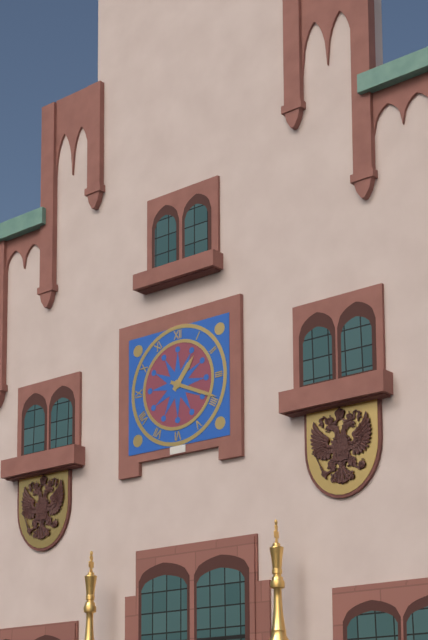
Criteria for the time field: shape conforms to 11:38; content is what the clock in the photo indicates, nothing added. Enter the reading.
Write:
1:19
